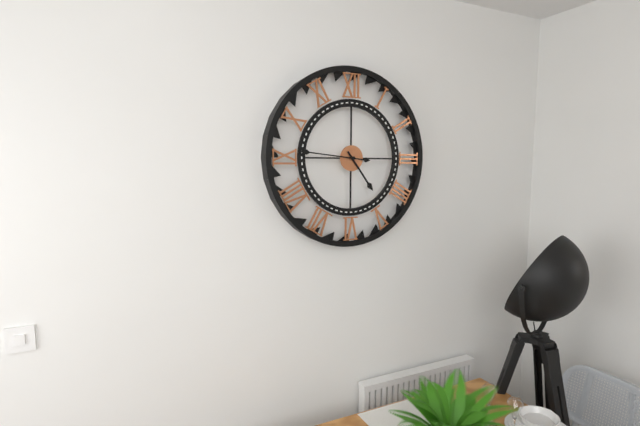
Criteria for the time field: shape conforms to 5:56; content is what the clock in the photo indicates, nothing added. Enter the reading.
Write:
4:46
